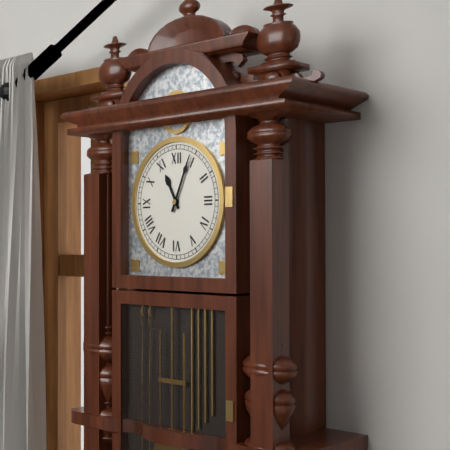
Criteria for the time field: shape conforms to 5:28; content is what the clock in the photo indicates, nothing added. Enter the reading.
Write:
11:04
